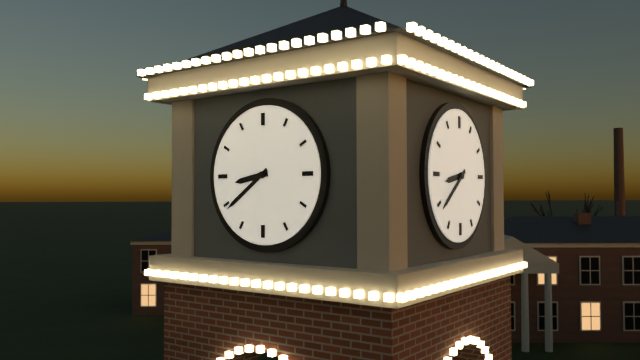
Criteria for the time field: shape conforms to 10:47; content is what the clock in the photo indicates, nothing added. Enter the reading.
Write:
8:39
